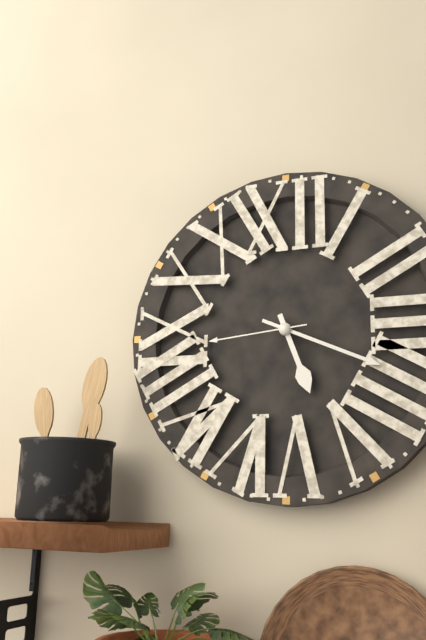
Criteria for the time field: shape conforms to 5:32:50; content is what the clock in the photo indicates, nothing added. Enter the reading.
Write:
5:19:44
